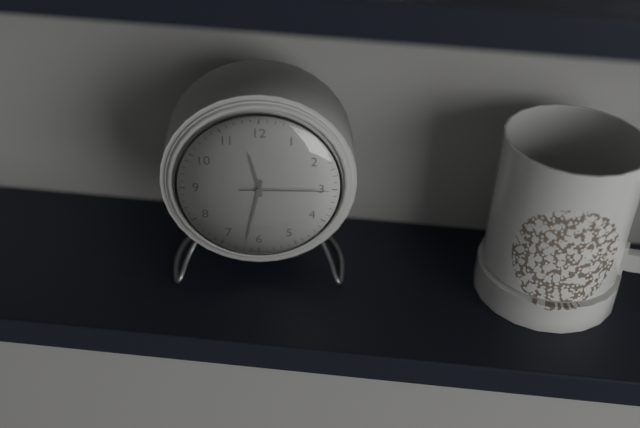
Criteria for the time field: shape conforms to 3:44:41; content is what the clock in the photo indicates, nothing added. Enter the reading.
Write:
11:32:15
